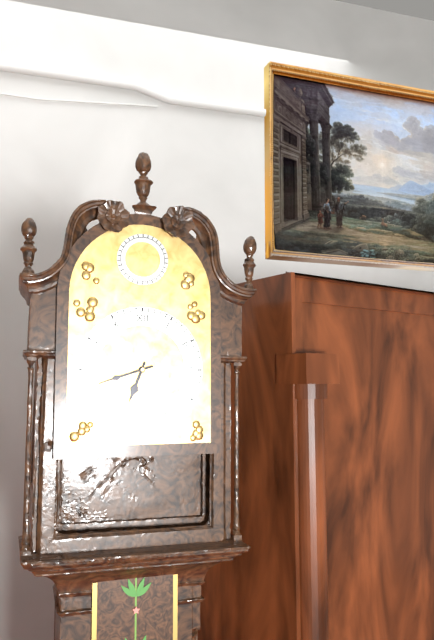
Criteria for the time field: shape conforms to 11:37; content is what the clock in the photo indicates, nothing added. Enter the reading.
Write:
6:42
